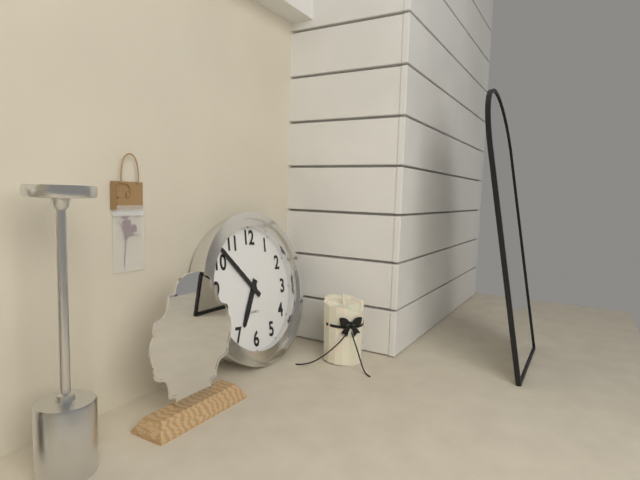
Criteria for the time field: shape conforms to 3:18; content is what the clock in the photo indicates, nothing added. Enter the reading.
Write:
6:52
